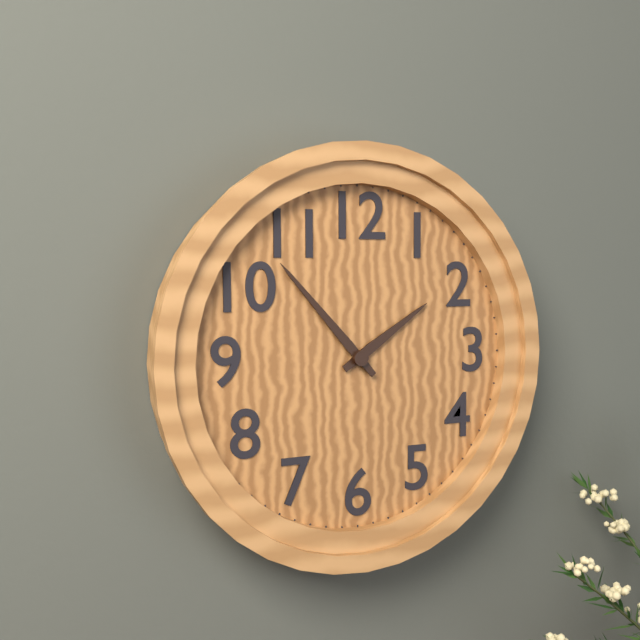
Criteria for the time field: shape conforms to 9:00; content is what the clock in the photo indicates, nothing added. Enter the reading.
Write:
1:53
